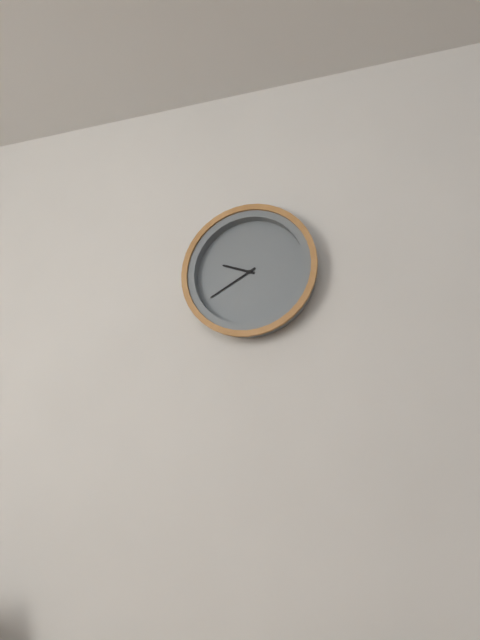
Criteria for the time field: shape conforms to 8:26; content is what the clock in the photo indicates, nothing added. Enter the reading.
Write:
9:40
